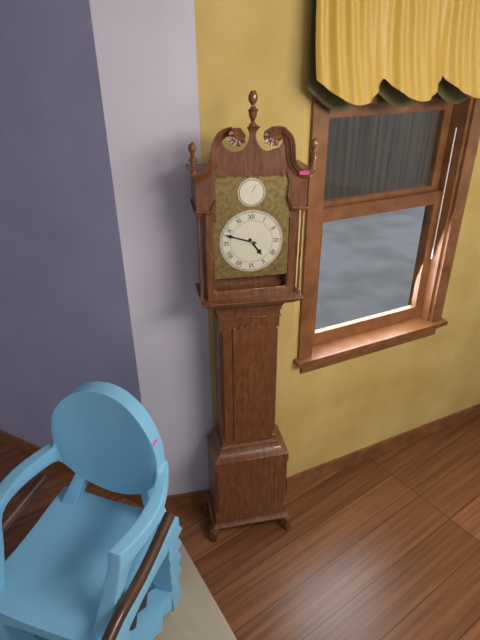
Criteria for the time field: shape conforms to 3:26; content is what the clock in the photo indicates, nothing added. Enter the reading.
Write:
4:48
